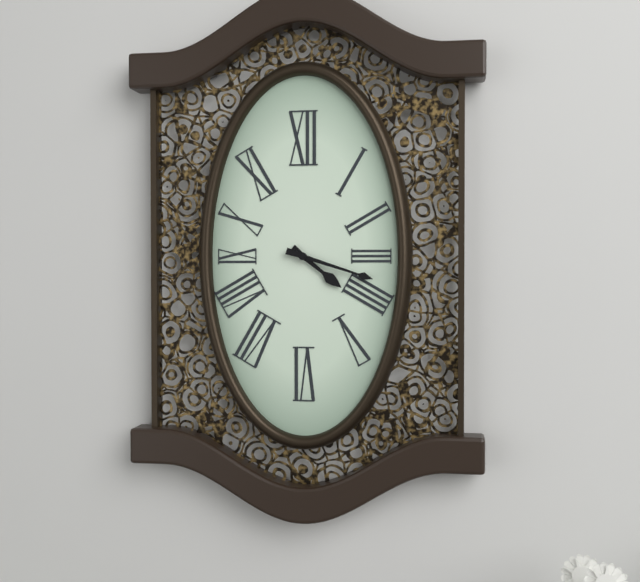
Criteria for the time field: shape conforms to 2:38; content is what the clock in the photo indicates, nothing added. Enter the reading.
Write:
4:18
